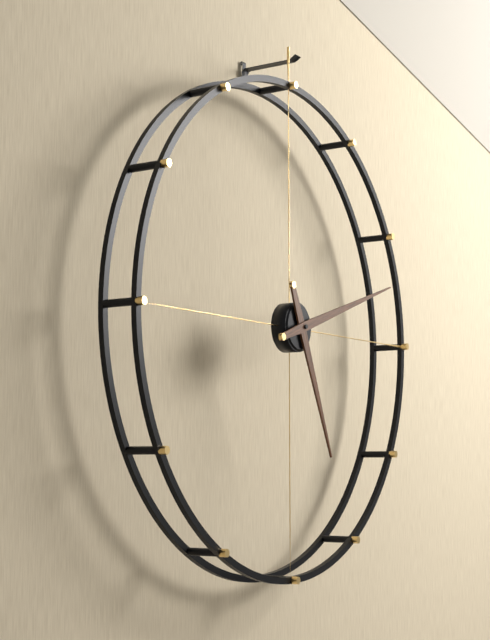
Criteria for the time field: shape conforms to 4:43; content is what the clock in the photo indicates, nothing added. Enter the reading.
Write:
5:12
